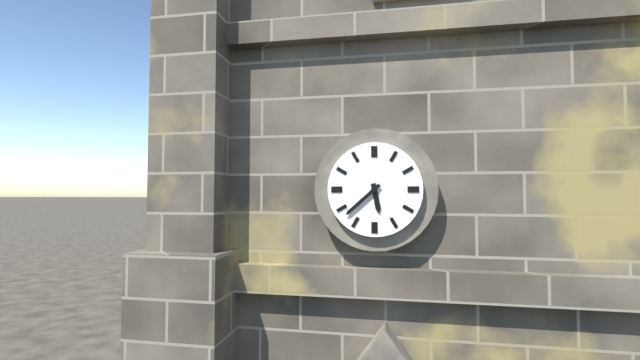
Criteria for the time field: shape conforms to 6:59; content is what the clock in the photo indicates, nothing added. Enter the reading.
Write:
5:38
